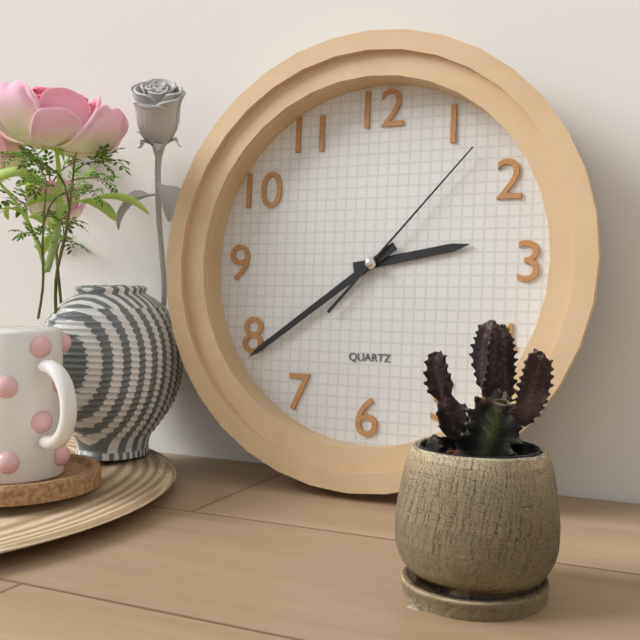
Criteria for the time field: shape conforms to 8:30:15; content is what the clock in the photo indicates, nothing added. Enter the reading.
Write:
2:39:07
